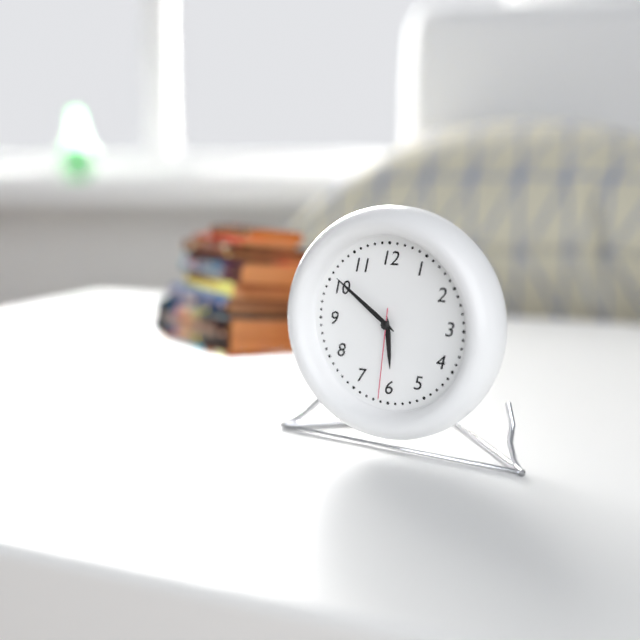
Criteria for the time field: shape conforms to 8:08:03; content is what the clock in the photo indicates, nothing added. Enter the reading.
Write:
5:51:31
